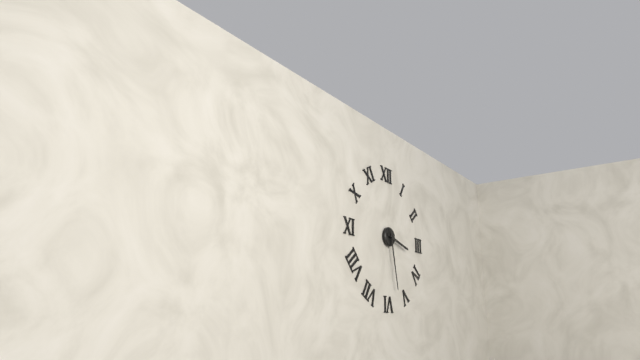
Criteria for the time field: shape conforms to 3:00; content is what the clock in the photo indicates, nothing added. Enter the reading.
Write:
3:28
